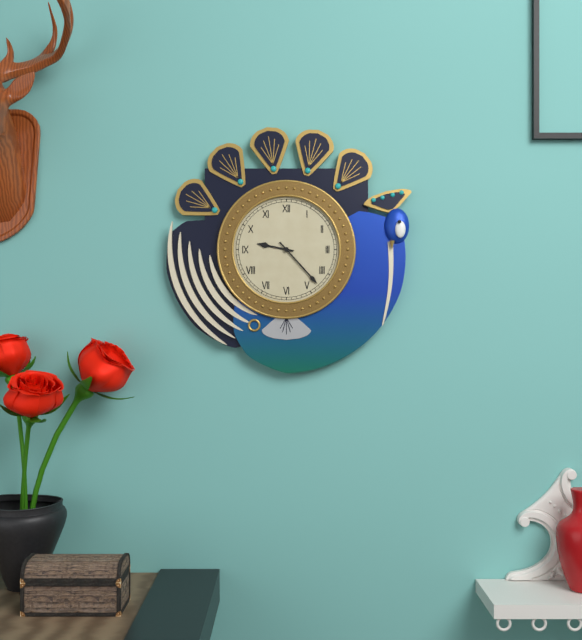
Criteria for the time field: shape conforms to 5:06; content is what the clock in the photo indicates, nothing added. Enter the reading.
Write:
9:23
